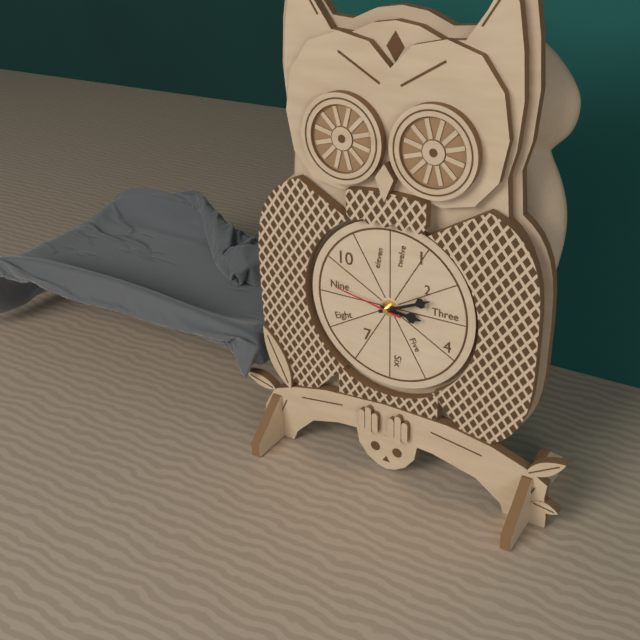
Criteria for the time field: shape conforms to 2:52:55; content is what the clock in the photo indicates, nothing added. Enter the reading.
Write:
3:11:47
